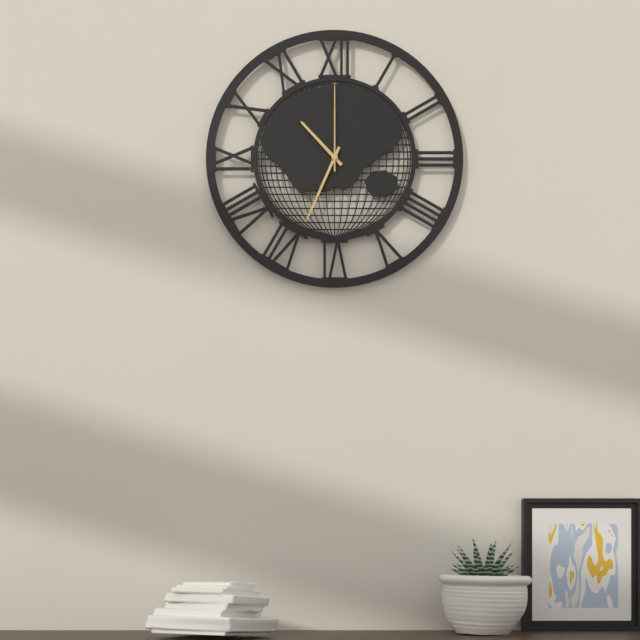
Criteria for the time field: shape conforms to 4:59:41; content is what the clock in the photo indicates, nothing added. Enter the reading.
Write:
10:34:00
